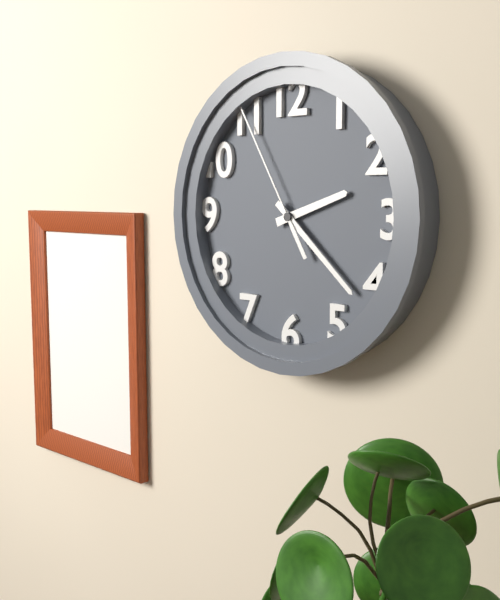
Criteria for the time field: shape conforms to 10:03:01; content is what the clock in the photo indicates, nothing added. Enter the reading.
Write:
2:22:55
